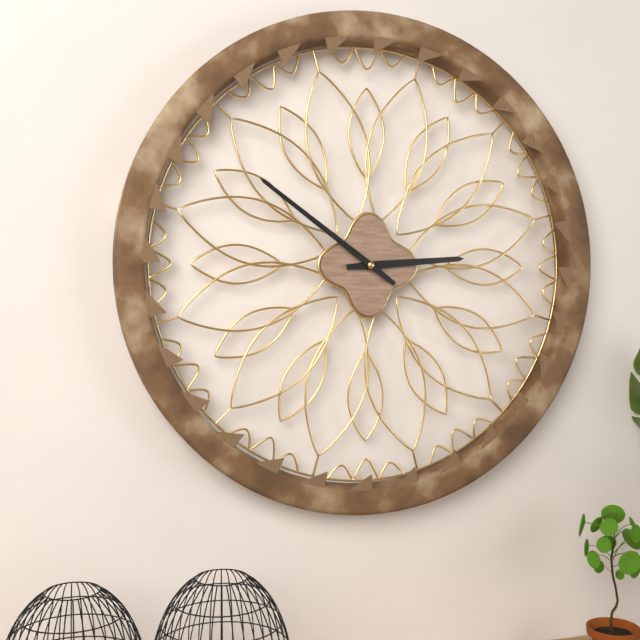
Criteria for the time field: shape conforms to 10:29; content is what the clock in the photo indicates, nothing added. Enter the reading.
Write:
2:51
